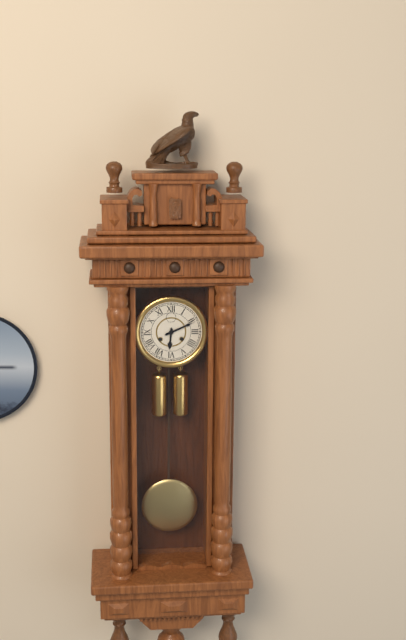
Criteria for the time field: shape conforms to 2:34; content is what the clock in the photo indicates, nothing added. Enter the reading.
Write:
6:11
